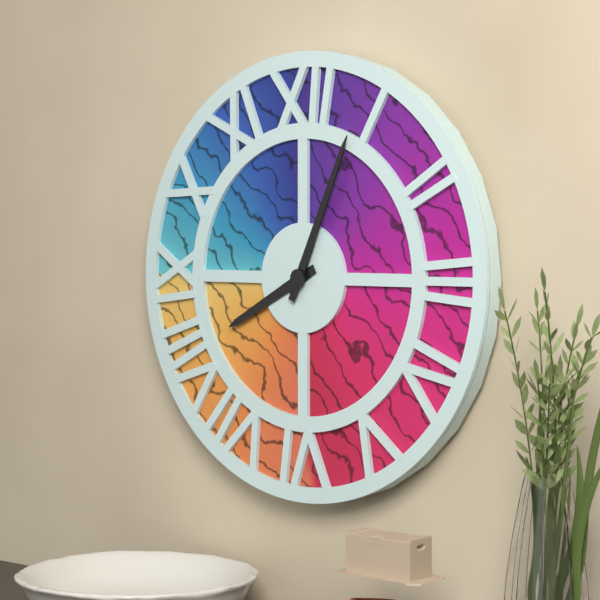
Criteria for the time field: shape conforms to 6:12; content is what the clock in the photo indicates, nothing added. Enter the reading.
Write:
8:04
